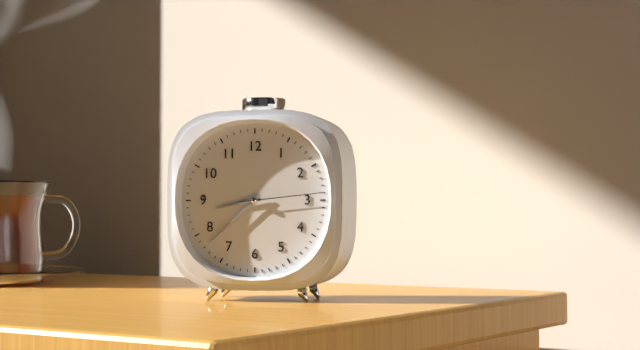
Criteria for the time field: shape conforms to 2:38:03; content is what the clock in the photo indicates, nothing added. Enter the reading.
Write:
8:38:14
